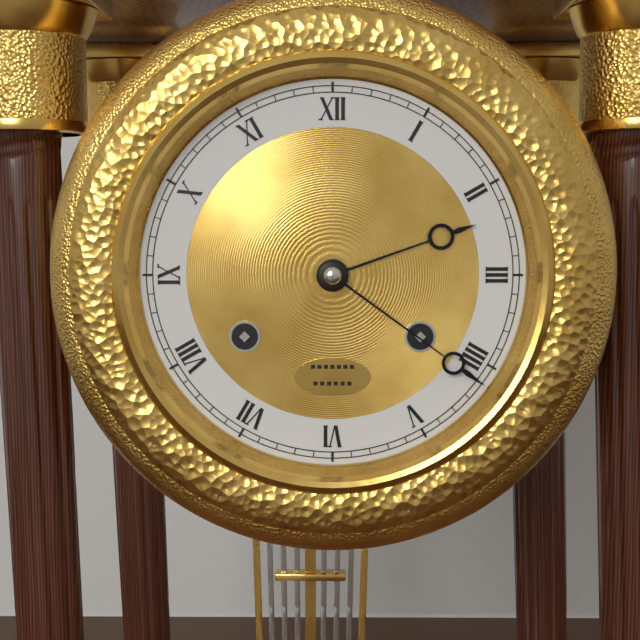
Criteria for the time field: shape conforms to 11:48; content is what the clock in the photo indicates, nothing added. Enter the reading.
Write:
2:21
